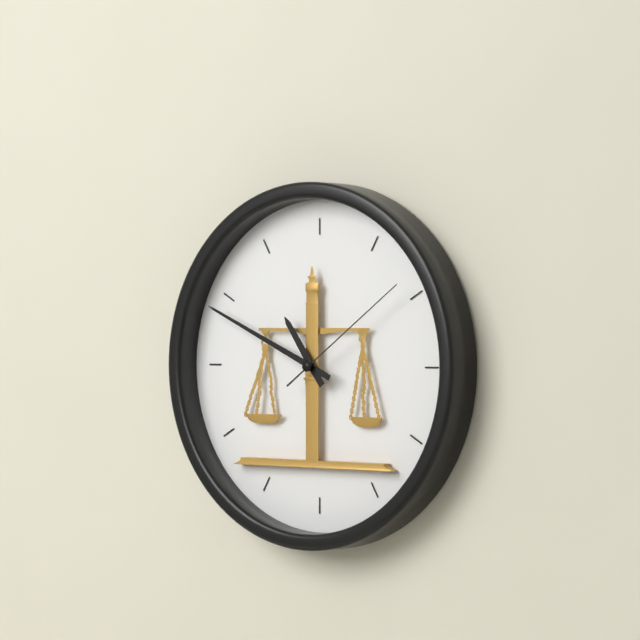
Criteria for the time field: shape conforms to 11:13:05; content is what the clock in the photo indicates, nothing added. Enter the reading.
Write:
10:49:09
